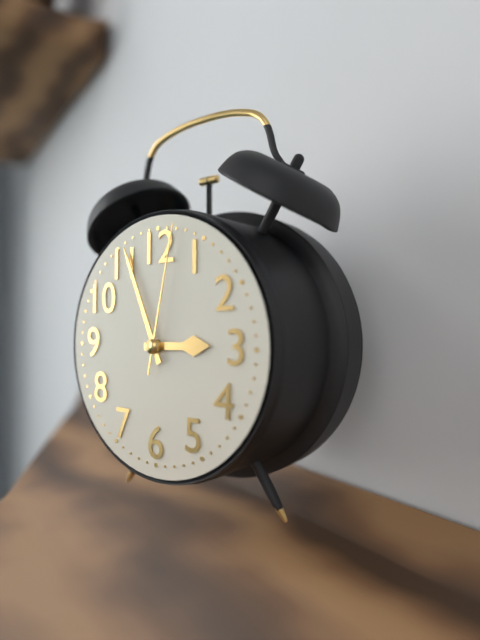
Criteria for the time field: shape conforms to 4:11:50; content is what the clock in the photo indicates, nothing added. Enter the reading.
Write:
2:56:02
